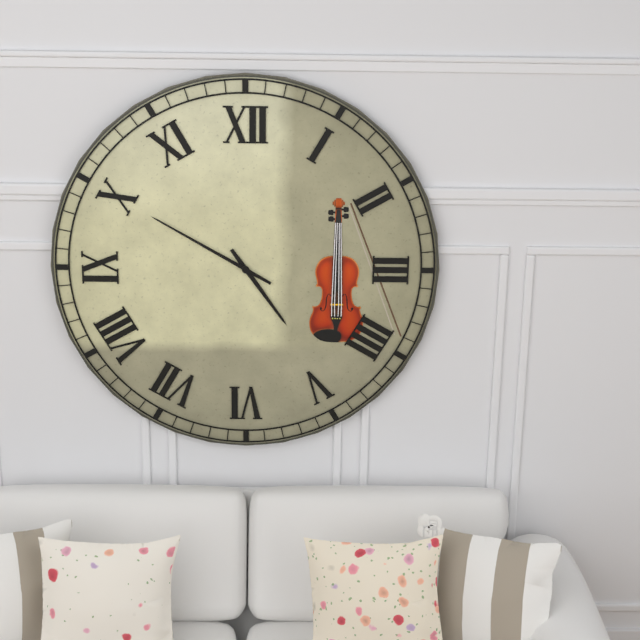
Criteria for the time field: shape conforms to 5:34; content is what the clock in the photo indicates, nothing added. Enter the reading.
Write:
4:50
